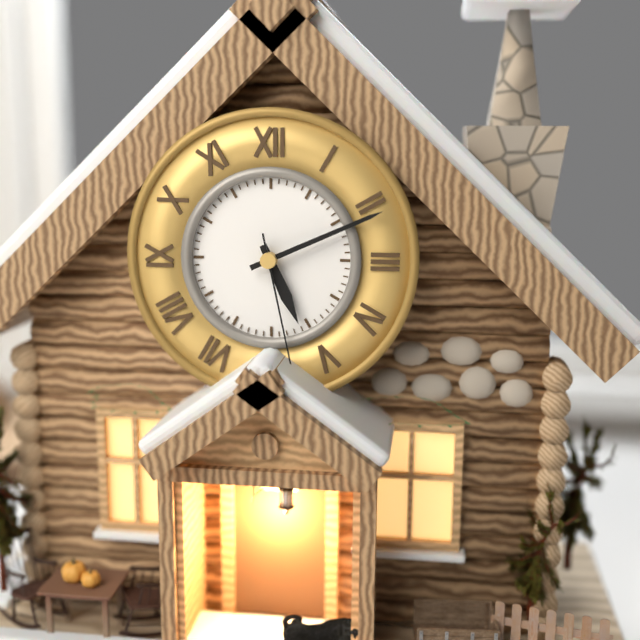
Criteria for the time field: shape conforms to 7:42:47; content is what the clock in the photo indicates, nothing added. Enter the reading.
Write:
5:11:28
